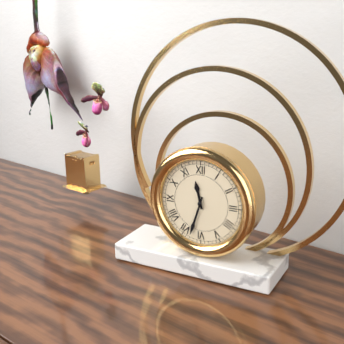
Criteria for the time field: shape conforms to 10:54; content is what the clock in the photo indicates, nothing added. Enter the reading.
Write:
11:33
